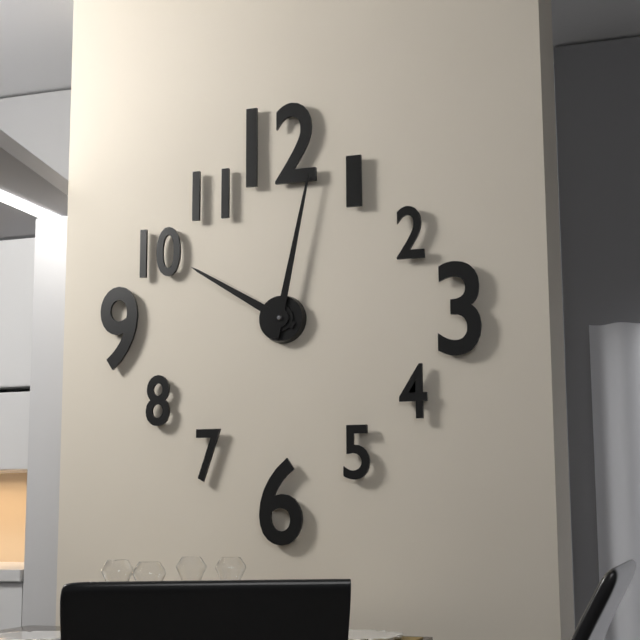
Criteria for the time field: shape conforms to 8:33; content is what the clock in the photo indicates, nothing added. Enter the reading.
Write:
10:02
